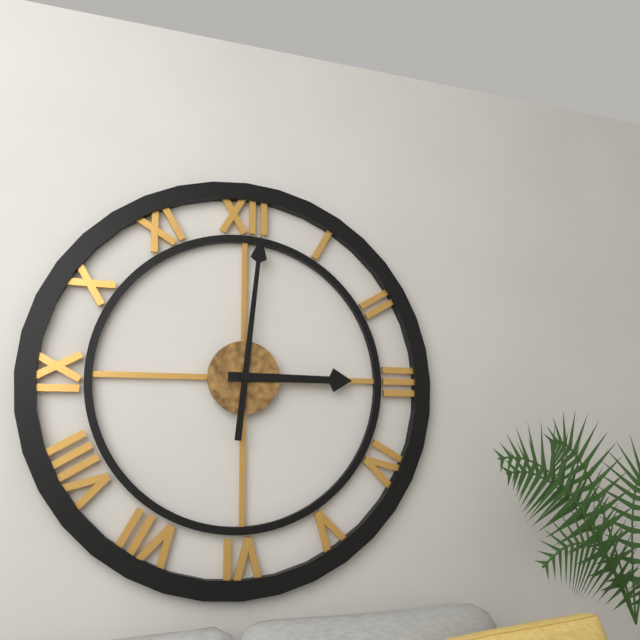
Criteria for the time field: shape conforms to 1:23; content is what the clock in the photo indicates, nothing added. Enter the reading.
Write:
3:01
